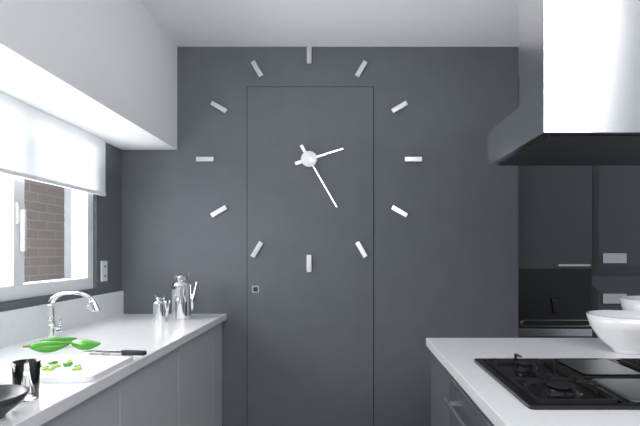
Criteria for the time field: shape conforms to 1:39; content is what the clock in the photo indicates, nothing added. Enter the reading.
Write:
2:25
